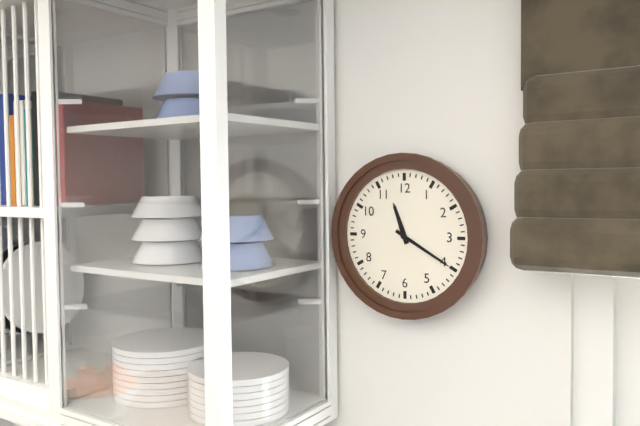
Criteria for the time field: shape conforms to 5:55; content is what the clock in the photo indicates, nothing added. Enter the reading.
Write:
11:20
